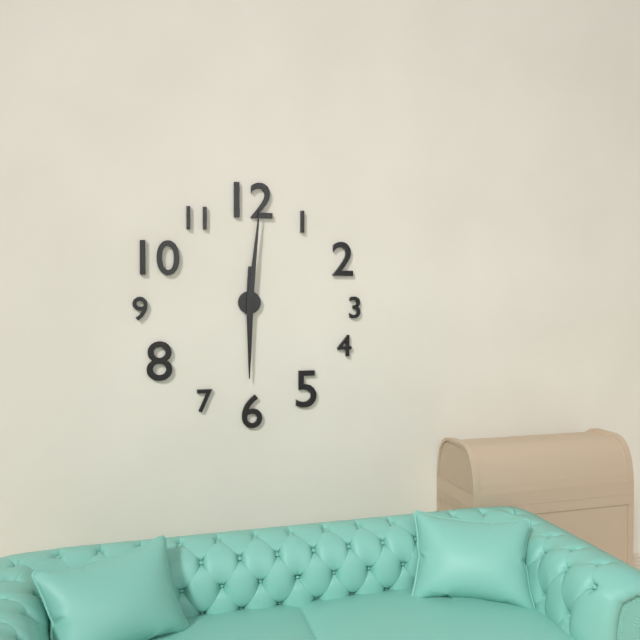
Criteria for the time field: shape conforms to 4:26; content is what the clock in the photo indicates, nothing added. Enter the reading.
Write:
6:01
